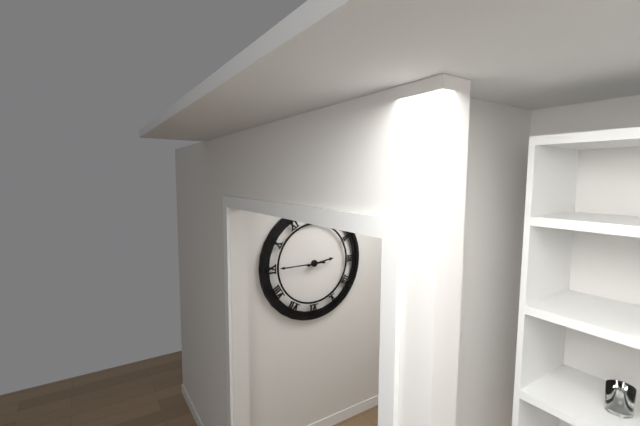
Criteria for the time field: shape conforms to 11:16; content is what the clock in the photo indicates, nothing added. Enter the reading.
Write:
2:45
